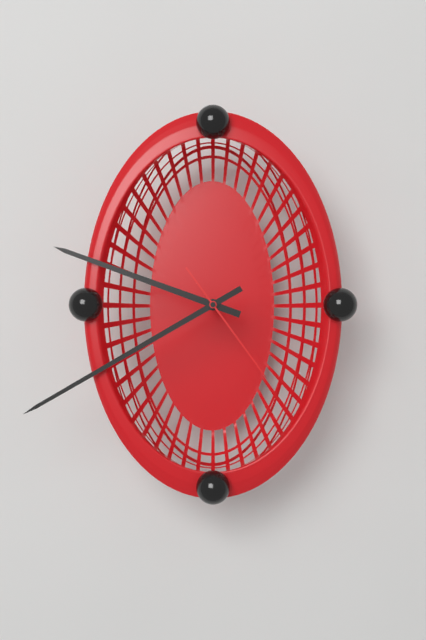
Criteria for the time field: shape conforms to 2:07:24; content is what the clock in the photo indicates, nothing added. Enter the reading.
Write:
9:40:24
